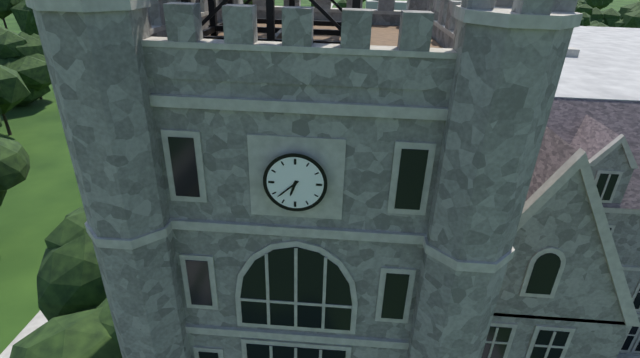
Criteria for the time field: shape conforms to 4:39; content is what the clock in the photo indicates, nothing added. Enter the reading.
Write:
6:38
